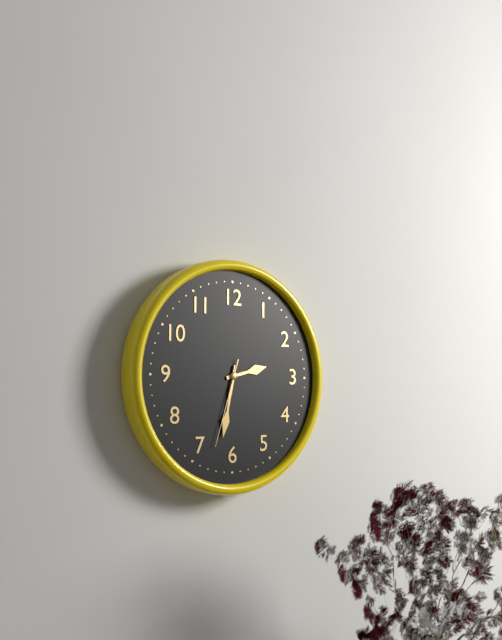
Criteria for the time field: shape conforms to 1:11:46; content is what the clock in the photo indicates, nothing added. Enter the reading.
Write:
2:32:33
